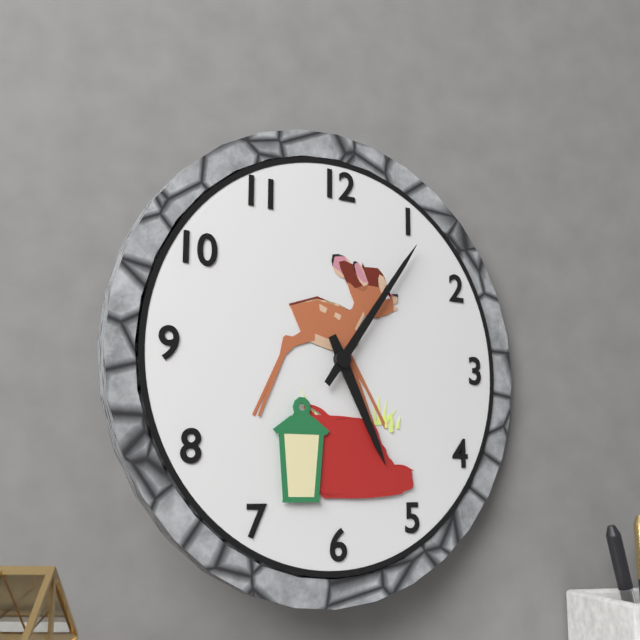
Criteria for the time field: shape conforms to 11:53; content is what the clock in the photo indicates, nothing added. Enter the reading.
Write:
5:06
